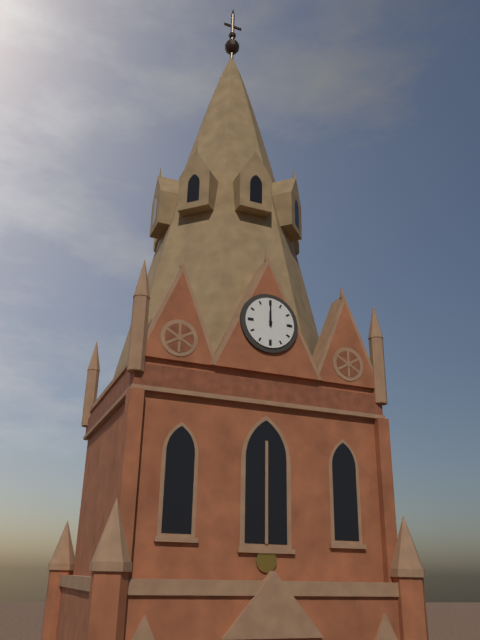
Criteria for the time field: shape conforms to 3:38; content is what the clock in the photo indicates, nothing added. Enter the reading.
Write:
12:00
